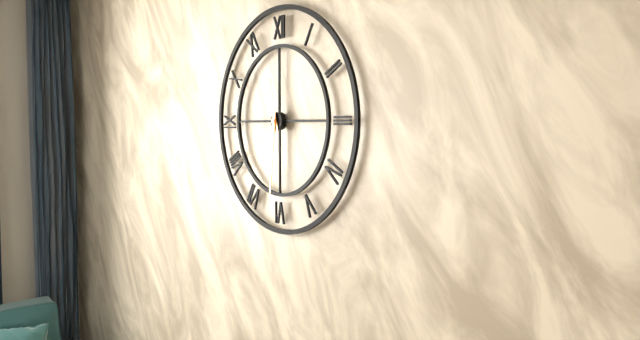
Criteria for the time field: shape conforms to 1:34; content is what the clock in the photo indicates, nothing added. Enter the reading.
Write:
11:31
